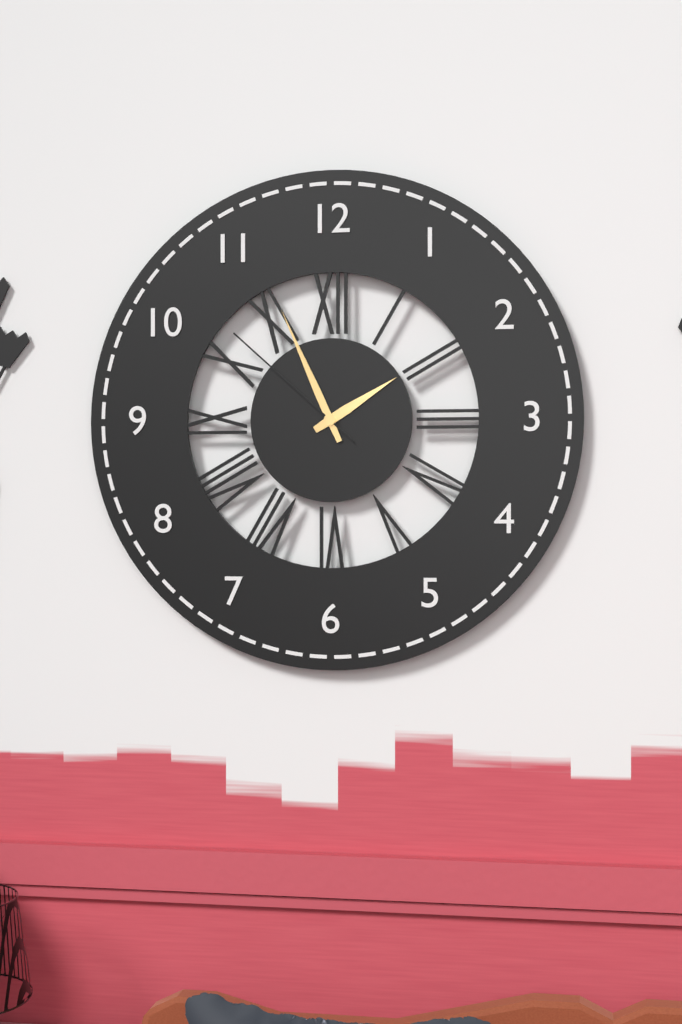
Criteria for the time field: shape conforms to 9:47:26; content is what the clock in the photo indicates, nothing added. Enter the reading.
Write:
1:56:52
